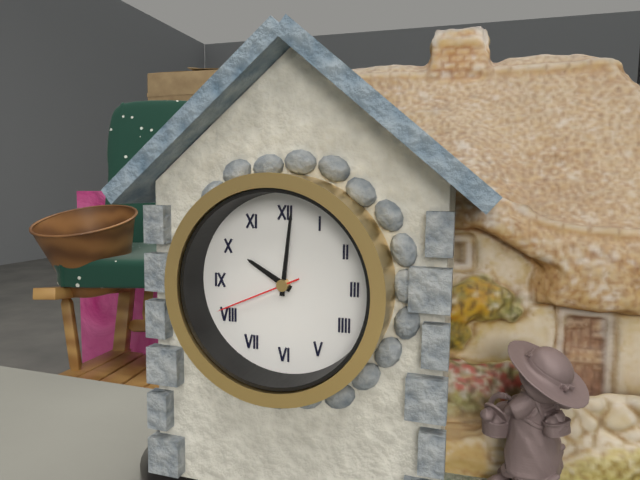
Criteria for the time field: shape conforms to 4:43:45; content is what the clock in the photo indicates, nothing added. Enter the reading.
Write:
10:01:41
